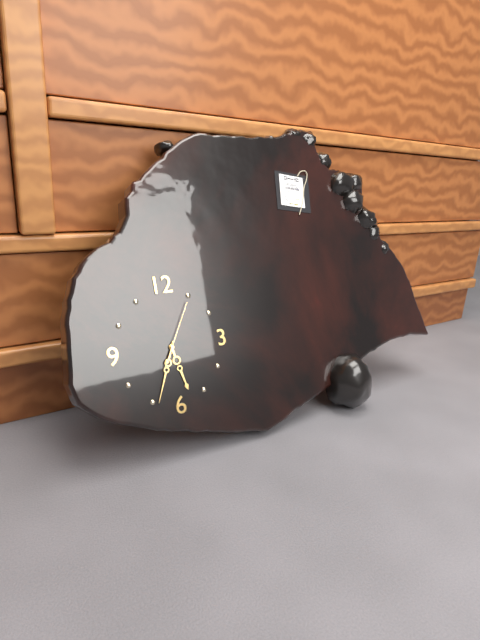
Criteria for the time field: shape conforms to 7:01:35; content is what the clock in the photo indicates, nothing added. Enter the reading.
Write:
5:34:05
